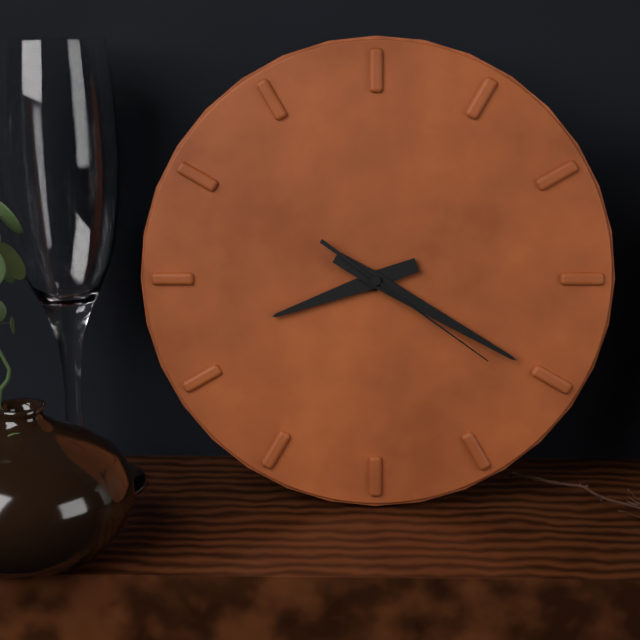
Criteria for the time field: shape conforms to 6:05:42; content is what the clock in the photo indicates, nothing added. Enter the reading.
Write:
8:20:21
